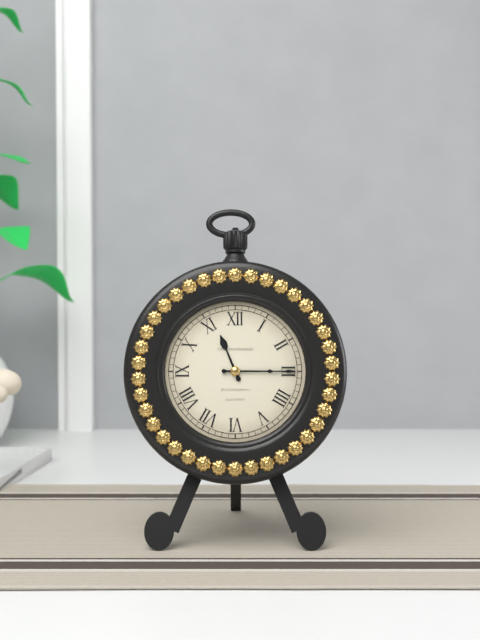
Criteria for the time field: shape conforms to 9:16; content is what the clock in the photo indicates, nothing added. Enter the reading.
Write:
11:15
